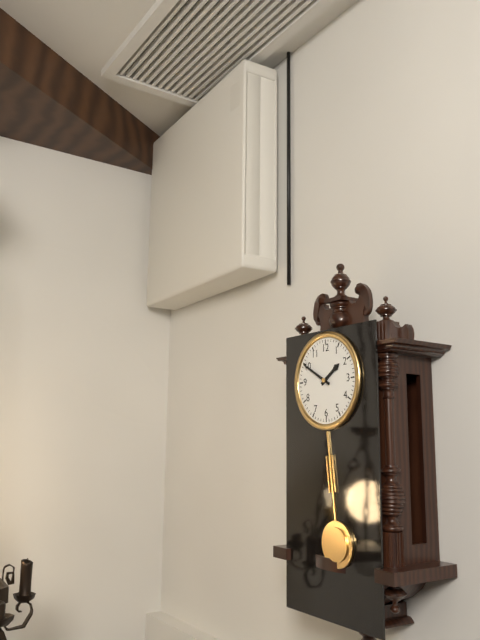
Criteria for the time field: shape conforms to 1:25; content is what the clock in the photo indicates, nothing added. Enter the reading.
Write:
1:50
